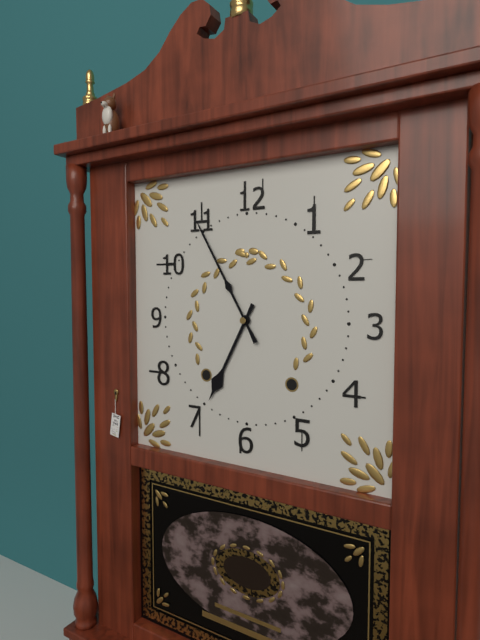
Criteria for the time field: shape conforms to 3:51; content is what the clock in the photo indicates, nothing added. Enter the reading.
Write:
6:55
